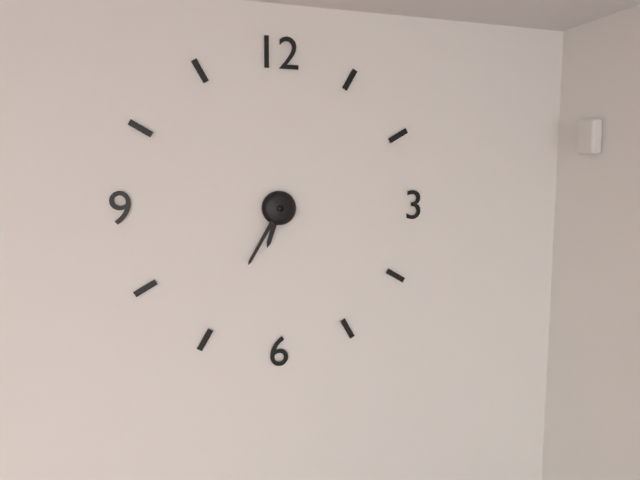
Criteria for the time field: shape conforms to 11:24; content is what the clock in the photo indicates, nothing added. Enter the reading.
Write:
6:35
